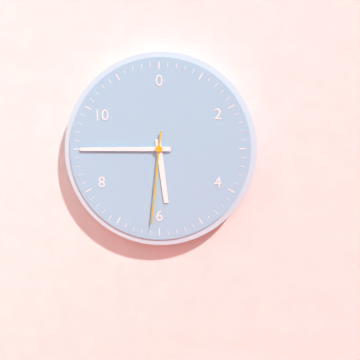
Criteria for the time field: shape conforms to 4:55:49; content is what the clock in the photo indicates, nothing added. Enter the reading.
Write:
5:45:31
